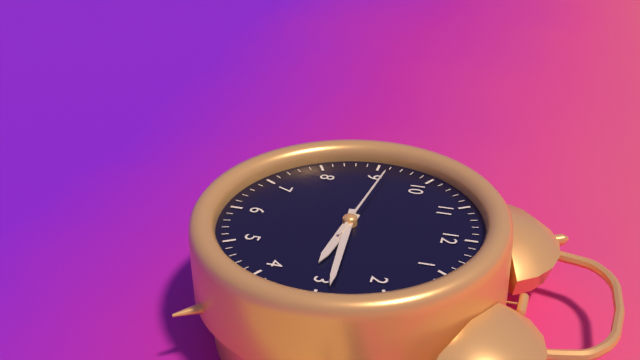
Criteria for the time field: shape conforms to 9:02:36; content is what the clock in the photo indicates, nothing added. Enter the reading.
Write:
3:14:46
